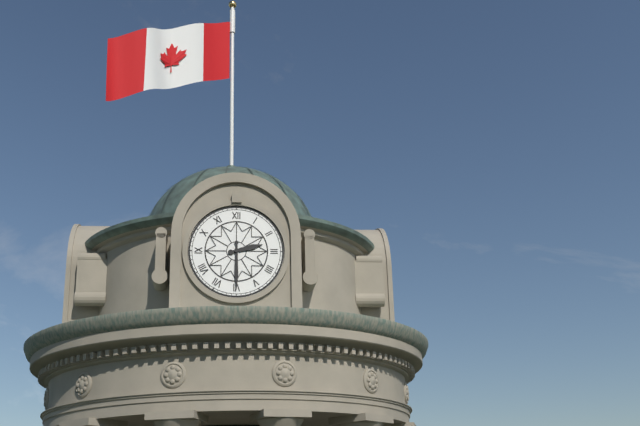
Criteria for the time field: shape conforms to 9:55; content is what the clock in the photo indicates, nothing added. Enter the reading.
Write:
2:30
